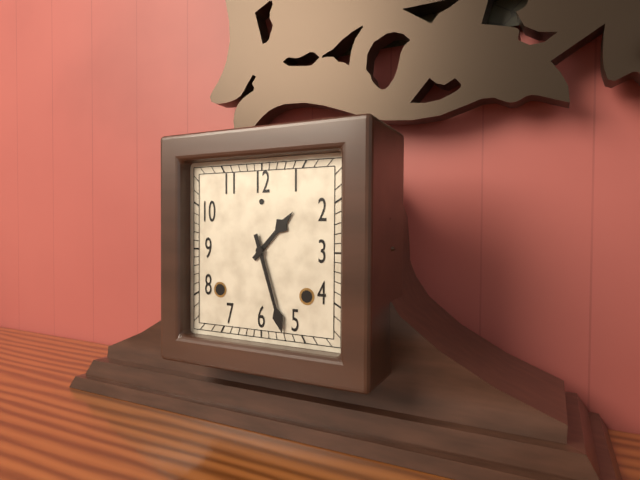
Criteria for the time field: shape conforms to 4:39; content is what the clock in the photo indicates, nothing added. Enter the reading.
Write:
1:27
